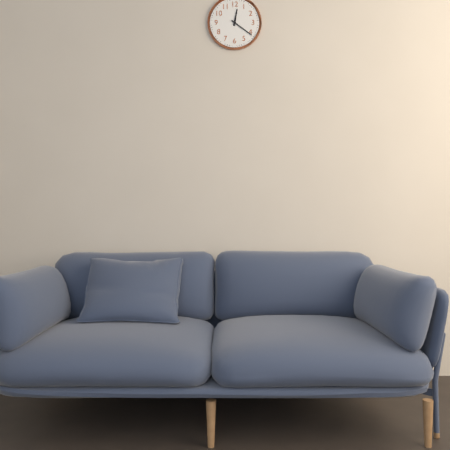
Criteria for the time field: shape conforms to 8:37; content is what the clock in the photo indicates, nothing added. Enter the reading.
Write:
12:21
